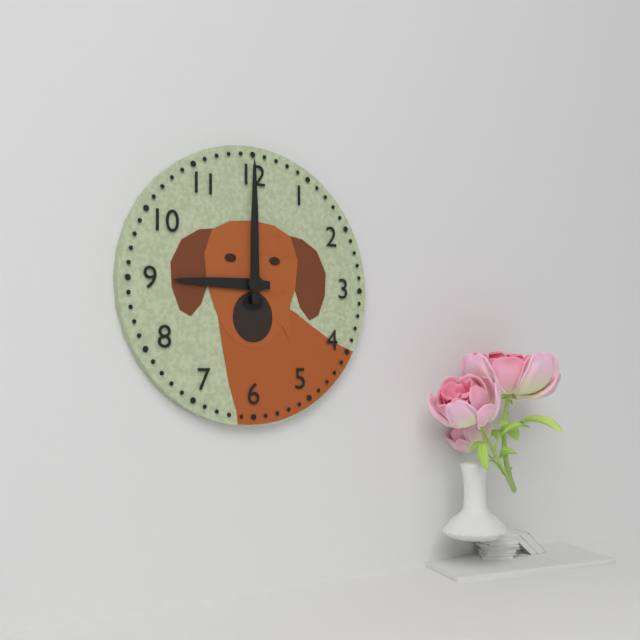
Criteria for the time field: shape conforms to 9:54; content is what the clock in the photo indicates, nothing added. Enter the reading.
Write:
9:00
